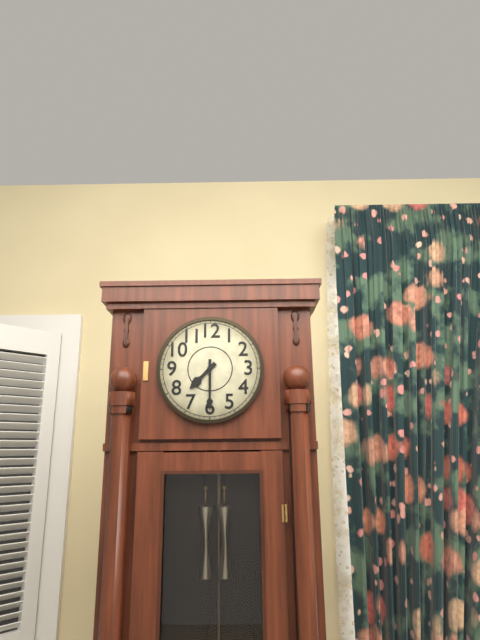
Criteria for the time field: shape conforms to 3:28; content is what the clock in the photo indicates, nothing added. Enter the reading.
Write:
7:30
